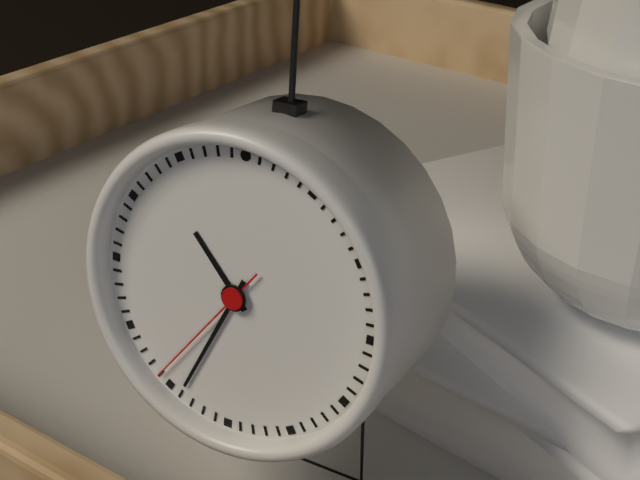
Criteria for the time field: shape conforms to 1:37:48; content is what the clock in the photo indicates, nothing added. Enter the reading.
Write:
10:34:36
